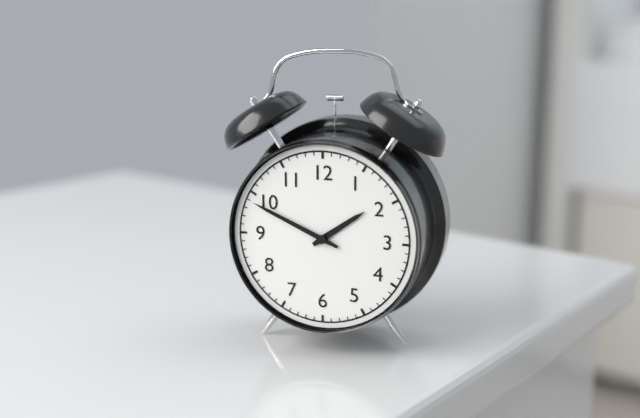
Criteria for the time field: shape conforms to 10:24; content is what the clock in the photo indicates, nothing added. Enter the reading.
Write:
1:49
